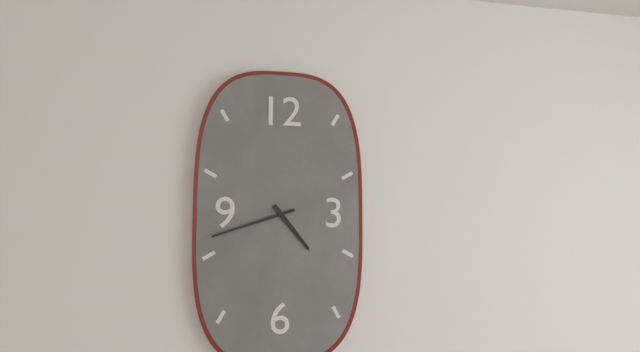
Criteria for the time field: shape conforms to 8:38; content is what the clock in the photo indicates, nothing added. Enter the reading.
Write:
4:42
